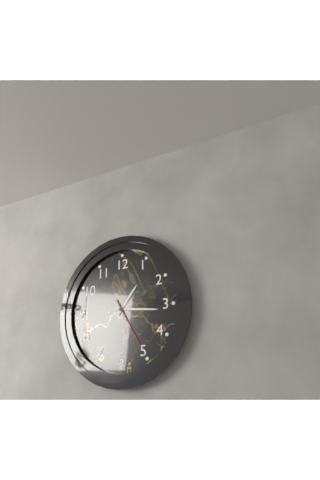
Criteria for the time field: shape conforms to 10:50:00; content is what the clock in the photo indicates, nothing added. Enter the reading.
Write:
1:16:25
